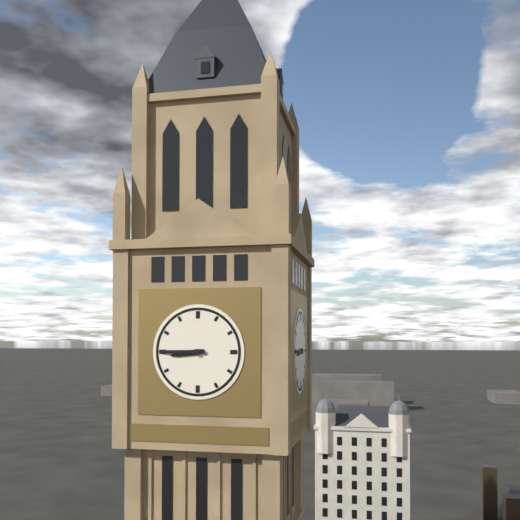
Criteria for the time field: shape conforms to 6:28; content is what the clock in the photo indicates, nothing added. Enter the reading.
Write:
8:45
